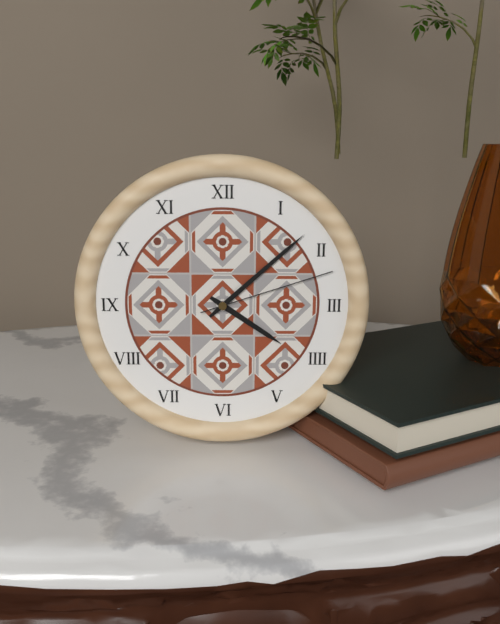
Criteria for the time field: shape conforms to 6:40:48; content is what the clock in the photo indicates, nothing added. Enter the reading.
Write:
4:08:12
